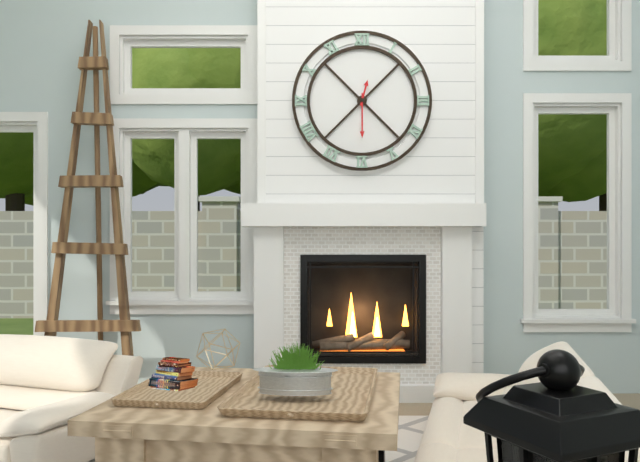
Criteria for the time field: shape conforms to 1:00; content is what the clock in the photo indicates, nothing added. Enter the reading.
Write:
12:30
